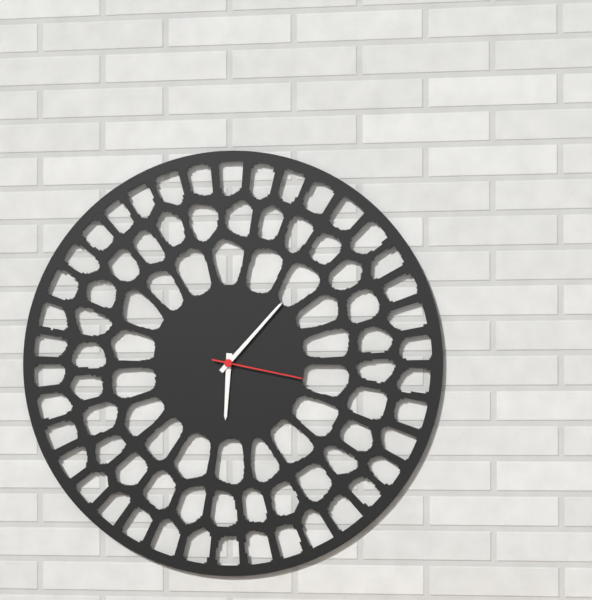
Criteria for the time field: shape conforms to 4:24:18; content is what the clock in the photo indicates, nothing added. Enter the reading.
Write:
6:07:17
